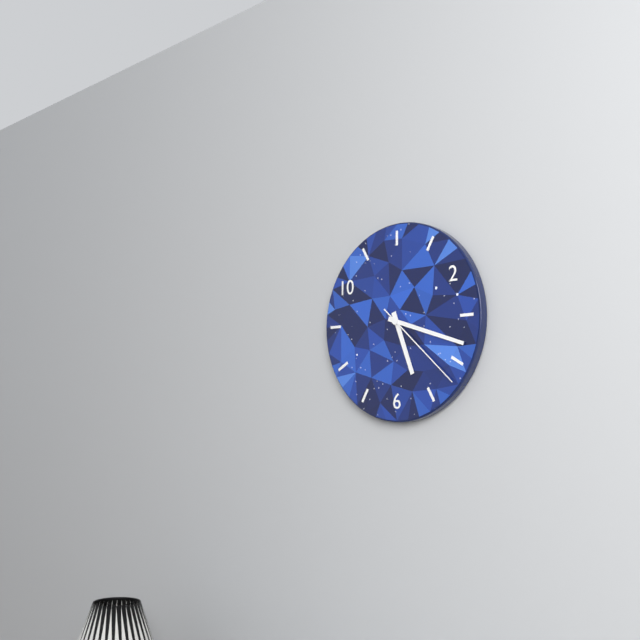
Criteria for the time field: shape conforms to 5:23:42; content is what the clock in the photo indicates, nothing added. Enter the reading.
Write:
5:18:22
